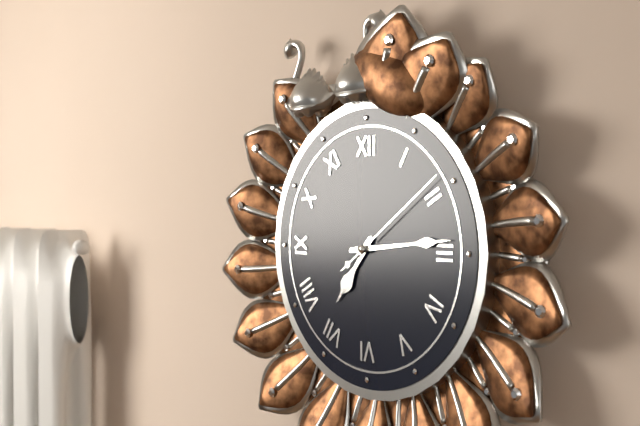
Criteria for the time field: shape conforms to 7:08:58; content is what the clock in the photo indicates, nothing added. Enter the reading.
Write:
7:14:09
